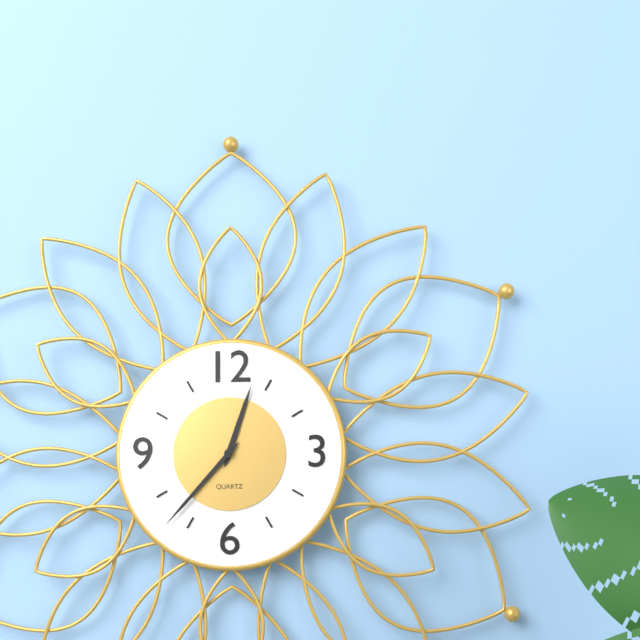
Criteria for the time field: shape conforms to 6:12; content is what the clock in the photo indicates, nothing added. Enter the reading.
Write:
12:37
